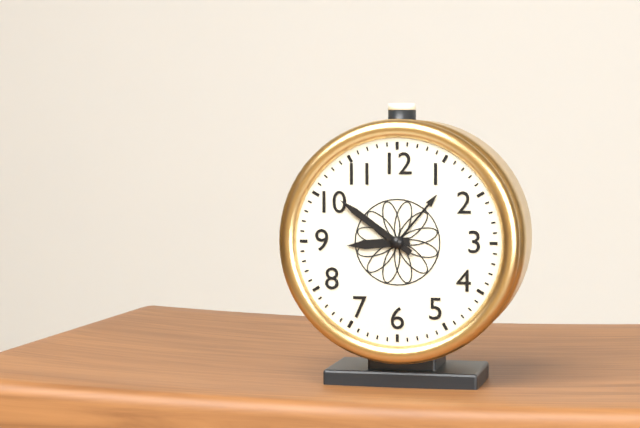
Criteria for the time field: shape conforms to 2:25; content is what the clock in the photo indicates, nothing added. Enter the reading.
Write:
8:51
